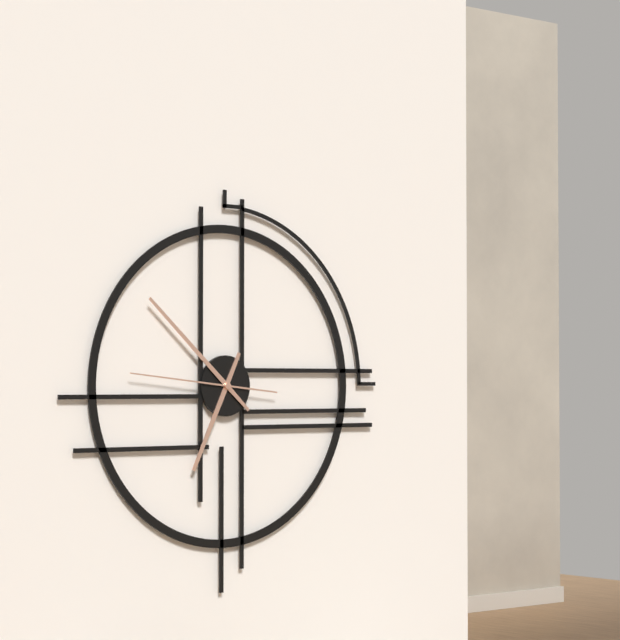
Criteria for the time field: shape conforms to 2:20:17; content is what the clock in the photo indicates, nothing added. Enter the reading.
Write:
6:52:46
